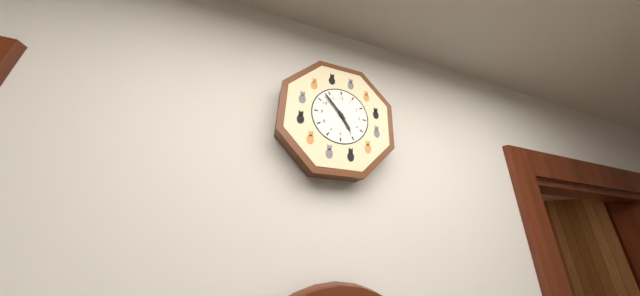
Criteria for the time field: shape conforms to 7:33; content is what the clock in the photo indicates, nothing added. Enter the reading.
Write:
4:53
